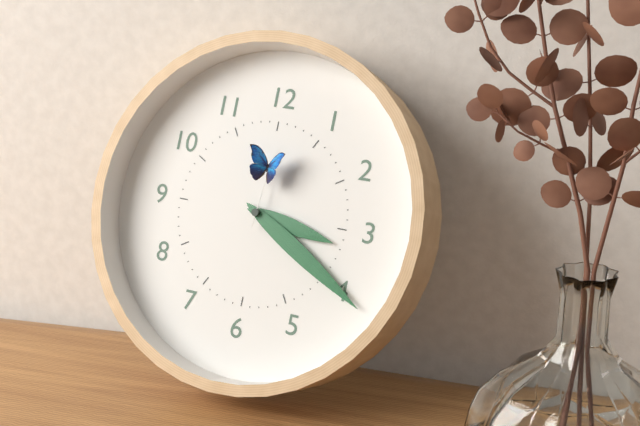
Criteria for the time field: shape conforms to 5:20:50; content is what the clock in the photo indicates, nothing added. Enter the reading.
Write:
3:20:01
